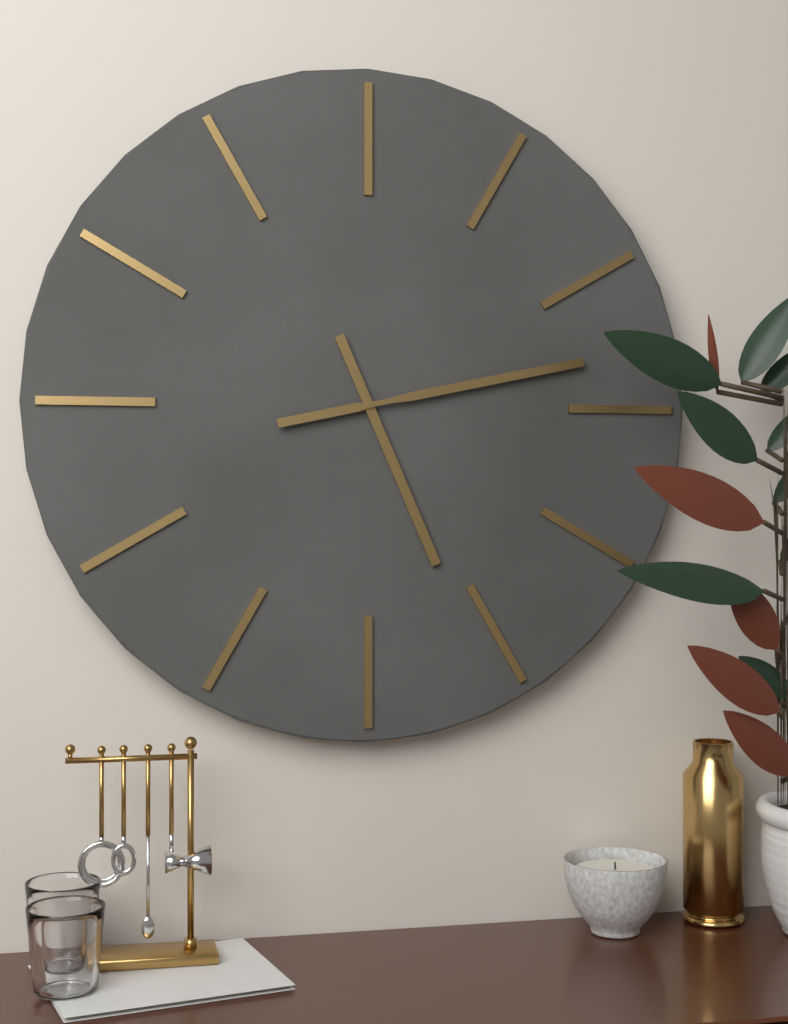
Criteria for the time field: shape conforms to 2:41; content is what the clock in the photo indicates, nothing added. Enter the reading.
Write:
5:13
